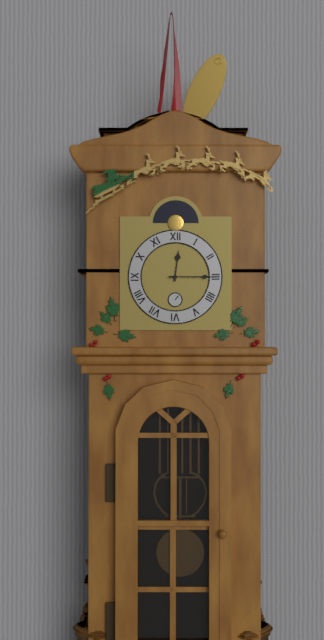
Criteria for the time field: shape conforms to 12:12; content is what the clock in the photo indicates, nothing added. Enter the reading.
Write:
12:15
